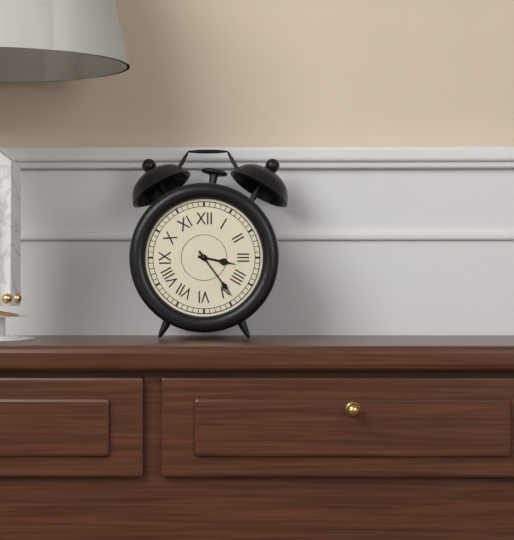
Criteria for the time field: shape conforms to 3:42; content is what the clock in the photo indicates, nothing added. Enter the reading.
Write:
3:24
